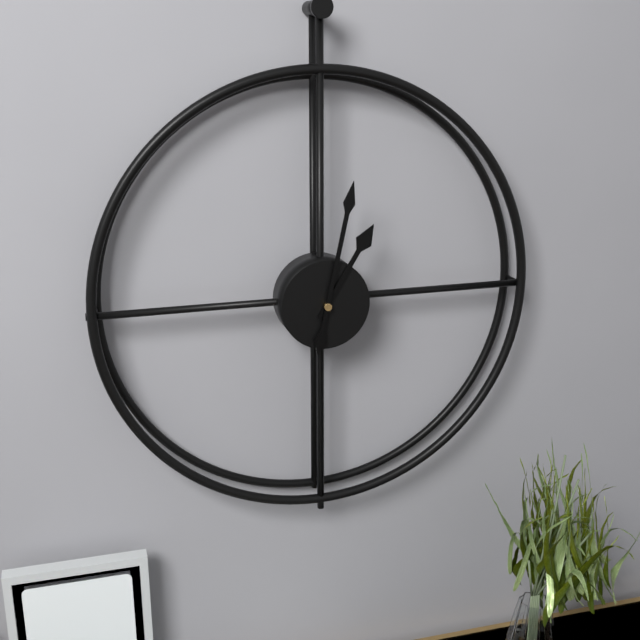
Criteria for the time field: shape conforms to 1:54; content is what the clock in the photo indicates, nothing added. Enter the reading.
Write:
1:02
